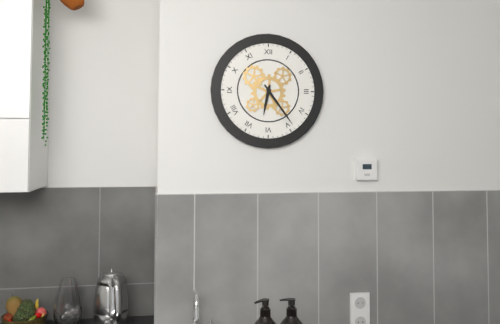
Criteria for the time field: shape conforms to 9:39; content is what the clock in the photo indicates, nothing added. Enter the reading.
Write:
6:24
